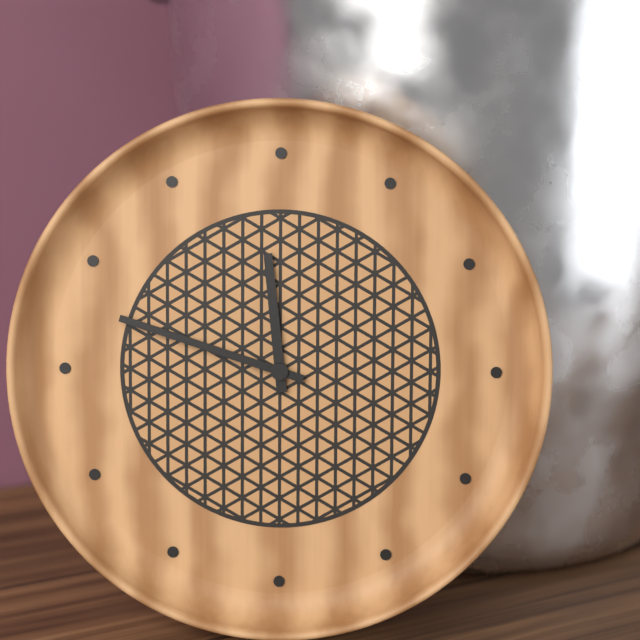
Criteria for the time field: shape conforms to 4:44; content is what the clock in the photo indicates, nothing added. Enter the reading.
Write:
11:48
